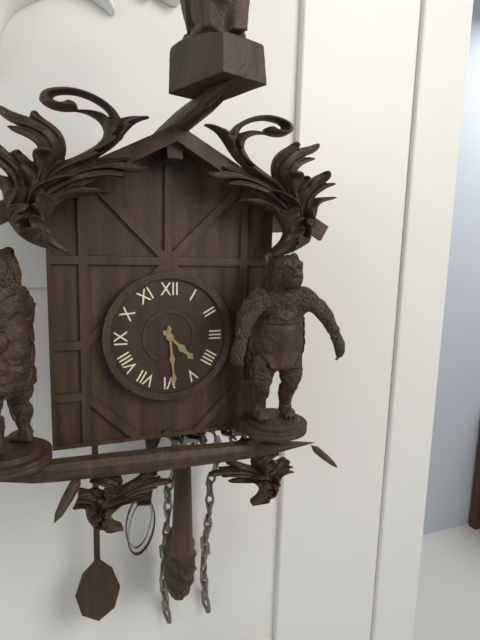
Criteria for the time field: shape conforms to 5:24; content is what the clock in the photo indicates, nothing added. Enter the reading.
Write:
4:29
